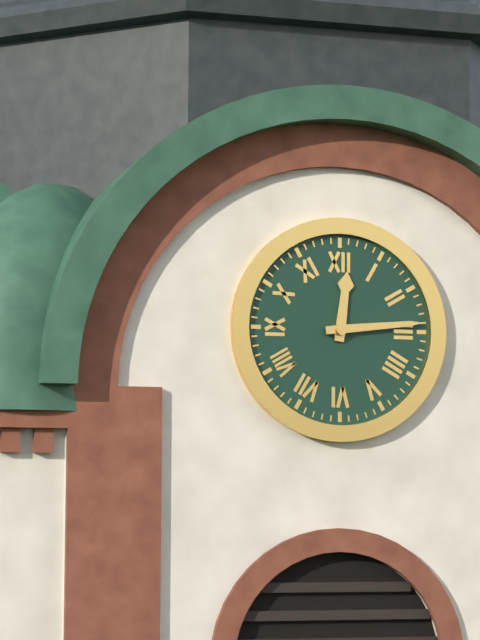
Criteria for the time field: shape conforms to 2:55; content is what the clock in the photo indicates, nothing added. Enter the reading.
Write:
12:14
